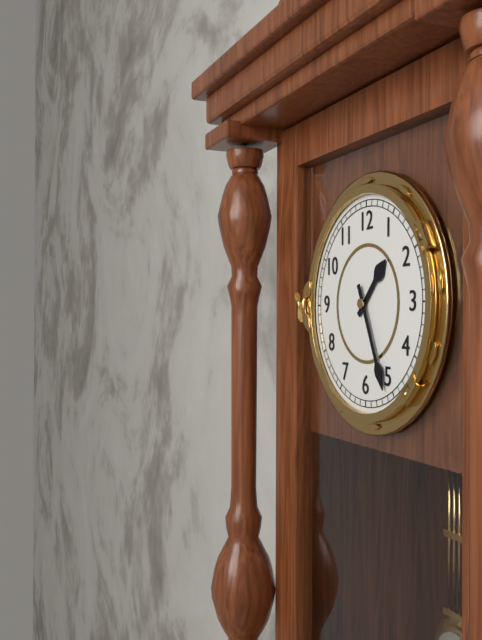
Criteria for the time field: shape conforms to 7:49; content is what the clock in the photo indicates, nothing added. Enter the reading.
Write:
1:26
